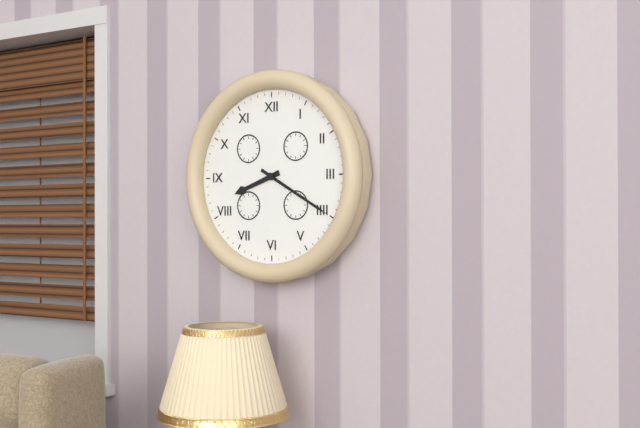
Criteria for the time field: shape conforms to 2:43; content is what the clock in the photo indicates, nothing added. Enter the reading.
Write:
8:20
